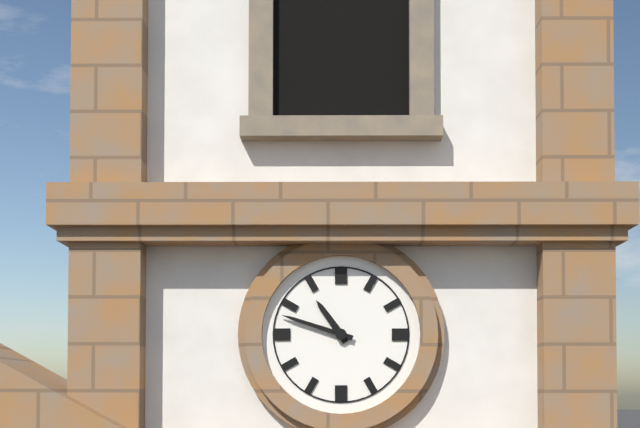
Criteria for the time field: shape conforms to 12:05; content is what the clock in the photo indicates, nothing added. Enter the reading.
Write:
10:48
